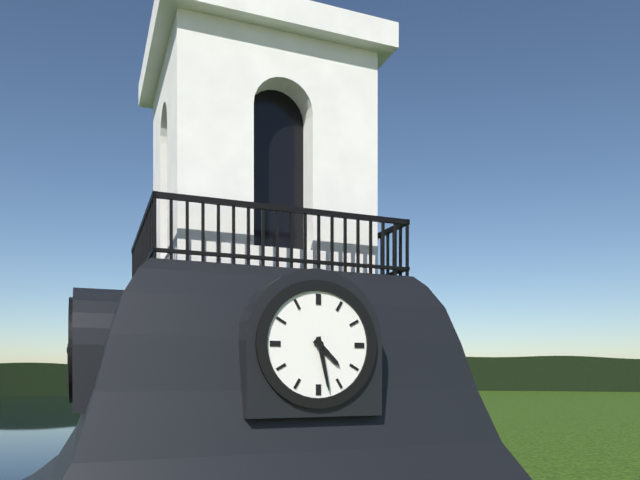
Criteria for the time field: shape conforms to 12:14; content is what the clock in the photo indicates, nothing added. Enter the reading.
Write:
4:28
